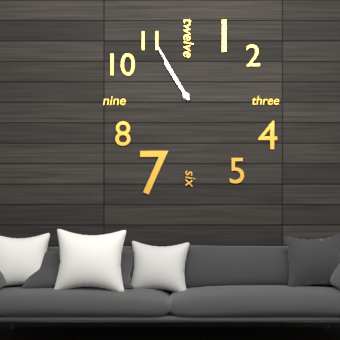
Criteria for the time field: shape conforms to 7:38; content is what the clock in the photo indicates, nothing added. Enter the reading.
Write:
10:55
